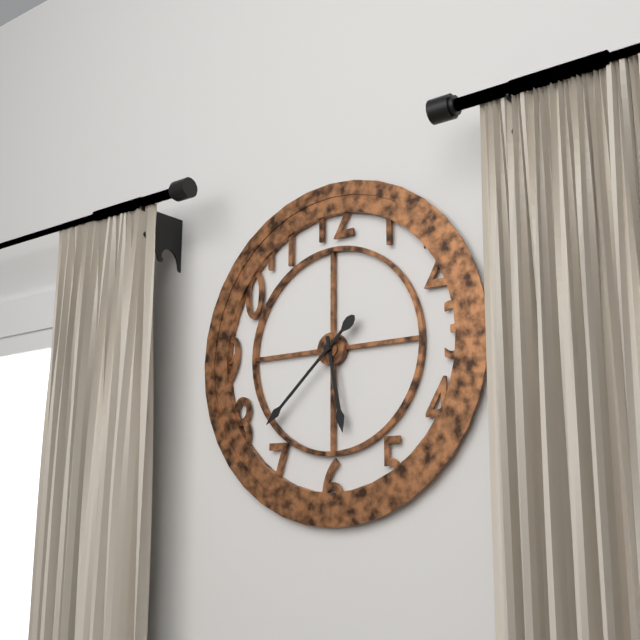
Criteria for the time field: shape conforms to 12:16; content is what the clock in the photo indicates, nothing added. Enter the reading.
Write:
5:38
